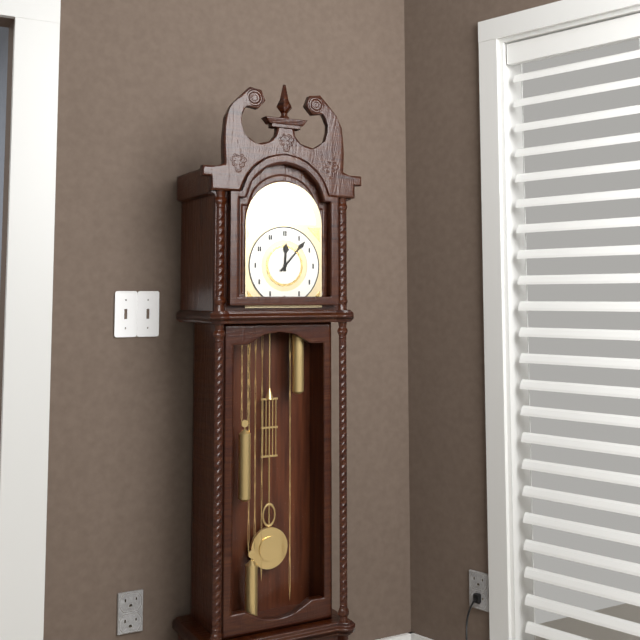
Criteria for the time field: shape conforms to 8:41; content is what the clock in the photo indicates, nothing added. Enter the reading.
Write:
12:07
